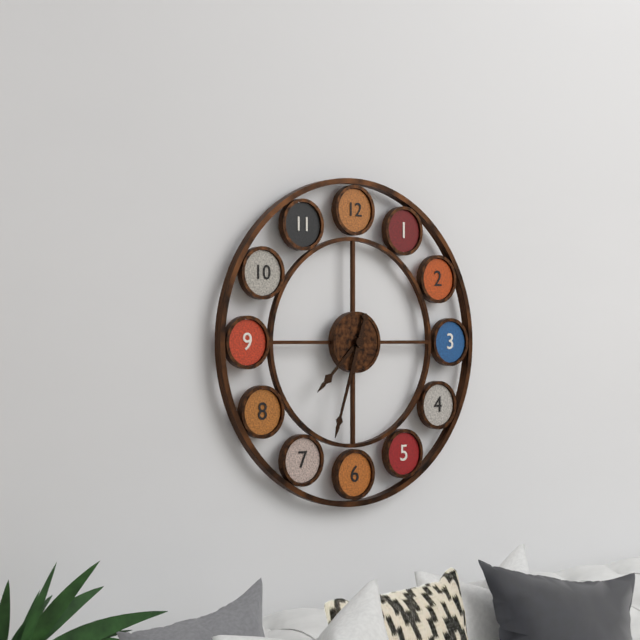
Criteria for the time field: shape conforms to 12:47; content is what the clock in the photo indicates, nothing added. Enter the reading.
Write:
7:33
